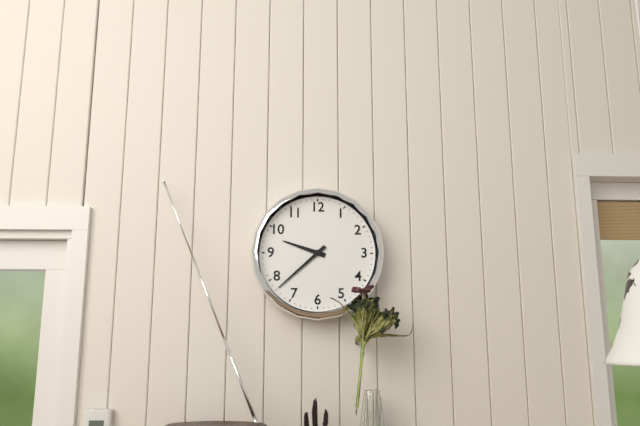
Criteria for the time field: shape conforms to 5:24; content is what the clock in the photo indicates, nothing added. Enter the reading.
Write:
9:38
